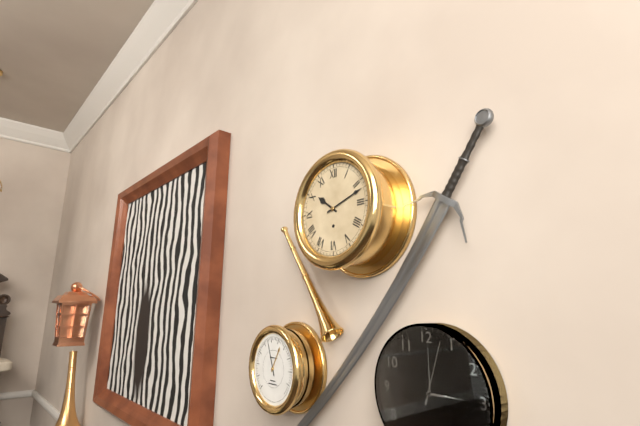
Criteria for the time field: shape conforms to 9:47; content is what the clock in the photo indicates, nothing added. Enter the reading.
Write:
10:12
